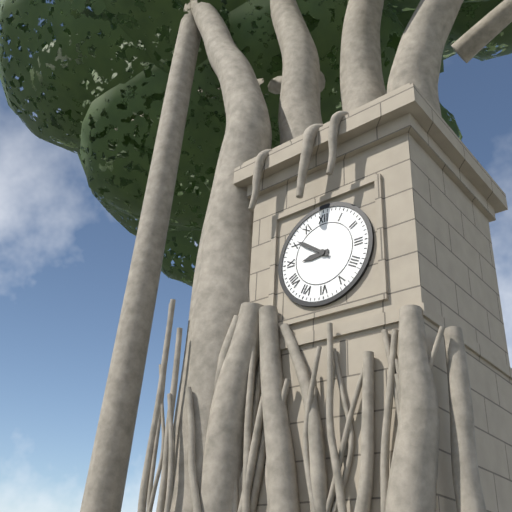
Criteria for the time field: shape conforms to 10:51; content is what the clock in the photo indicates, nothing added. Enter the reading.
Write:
8:51
